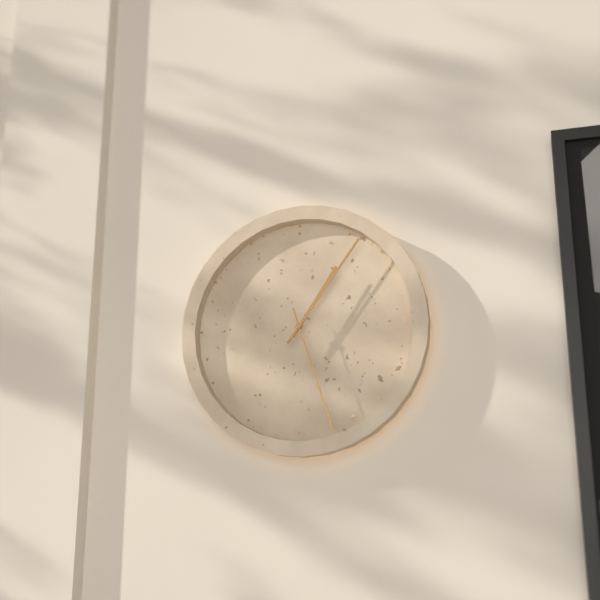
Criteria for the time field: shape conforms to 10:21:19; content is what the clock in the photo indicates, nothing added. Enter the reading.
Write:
1:06:27
